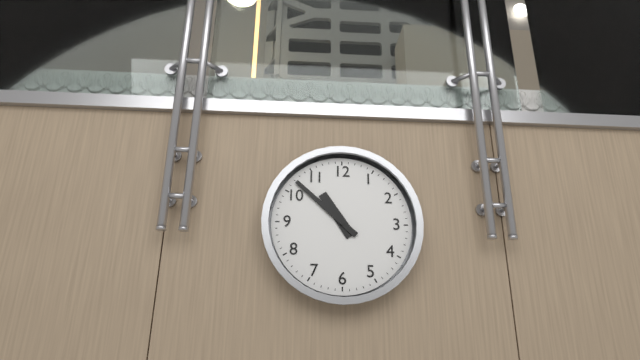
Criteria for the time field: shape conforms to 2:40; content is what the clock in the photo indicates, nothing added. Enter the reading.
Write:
10:52
